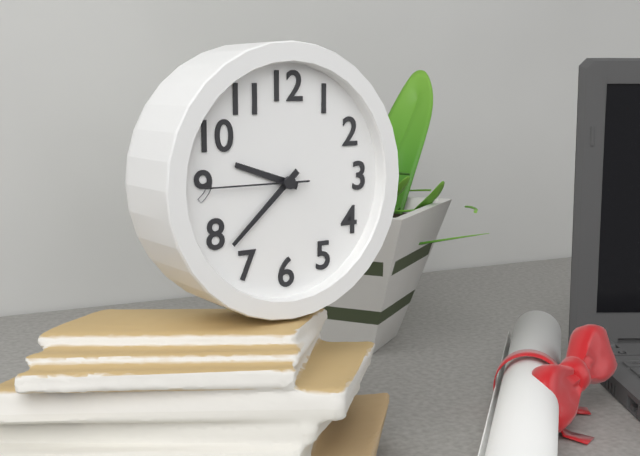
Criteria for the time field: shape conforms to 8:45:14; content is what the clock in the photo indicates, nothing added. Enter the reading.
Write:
9:38:45
